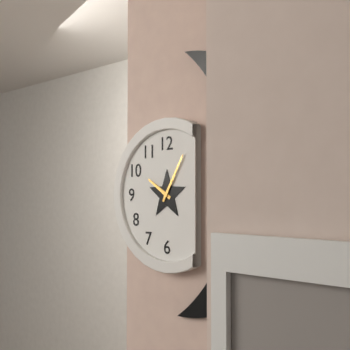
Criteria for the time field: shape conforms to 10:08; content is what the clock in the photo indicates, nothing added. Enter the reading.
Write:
10:05
